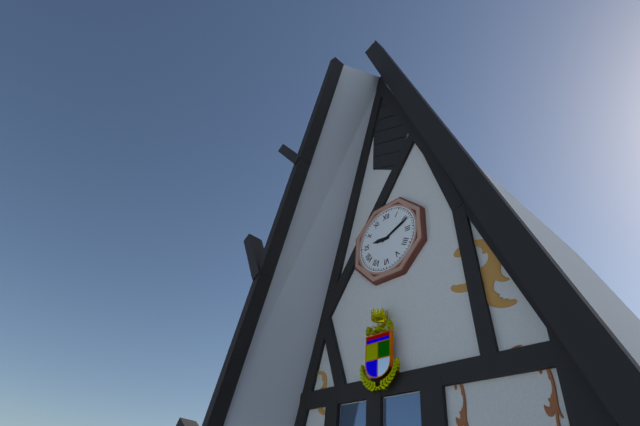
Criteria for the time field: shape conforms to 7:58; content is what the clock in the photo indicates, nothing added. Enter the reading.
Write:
9:11
